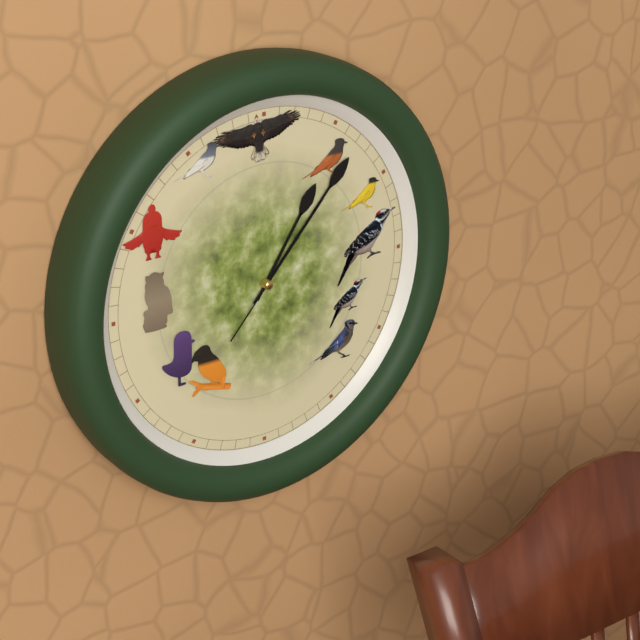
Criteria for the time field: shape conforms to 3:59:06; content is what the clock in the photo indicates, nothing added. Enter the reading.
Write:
1:07:07
